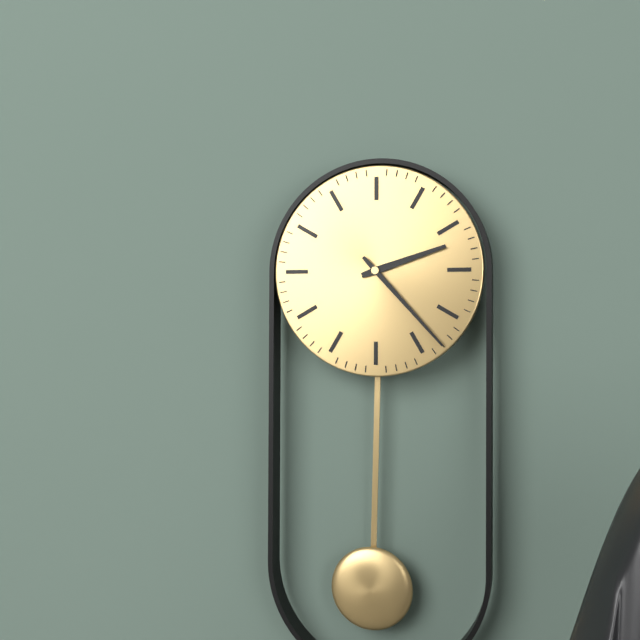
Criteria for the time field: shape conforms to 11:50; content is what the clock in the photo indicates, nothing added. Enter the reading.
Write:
2:23
